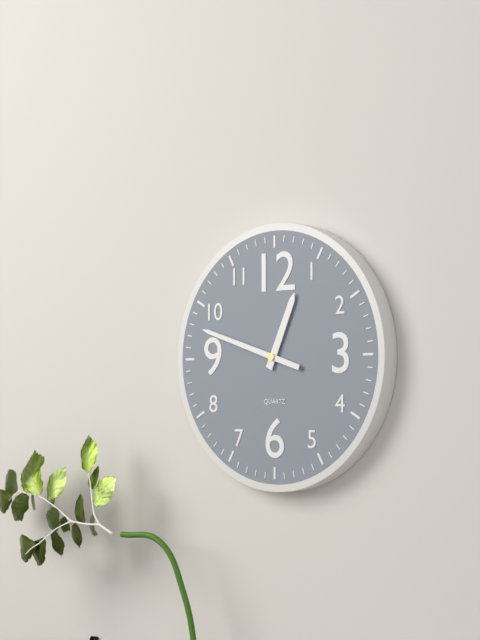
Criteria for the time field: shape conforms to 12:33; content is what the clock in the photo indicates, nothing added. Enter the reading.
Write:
12:48
